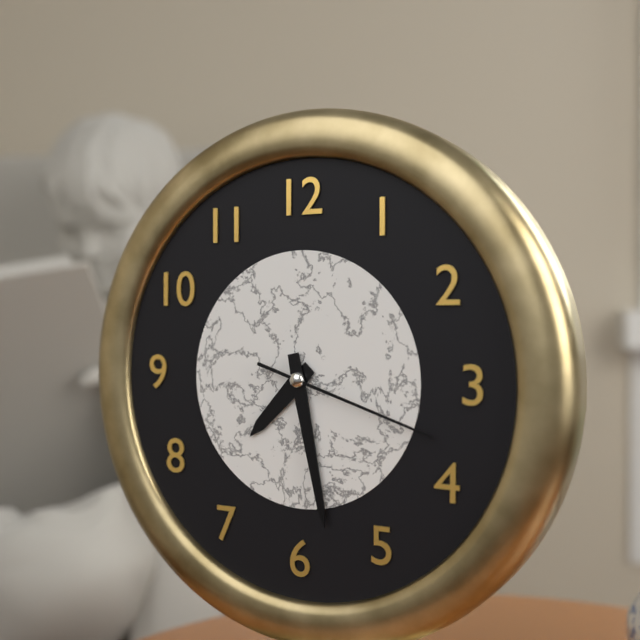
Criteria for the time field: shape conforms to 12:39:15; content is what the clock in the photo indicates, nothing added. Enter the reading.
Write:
7:28:18
